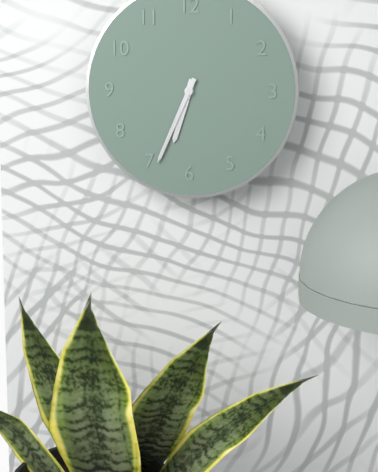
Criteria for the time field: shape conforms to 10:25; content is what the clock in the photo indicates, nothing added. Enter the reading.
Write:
6:34
